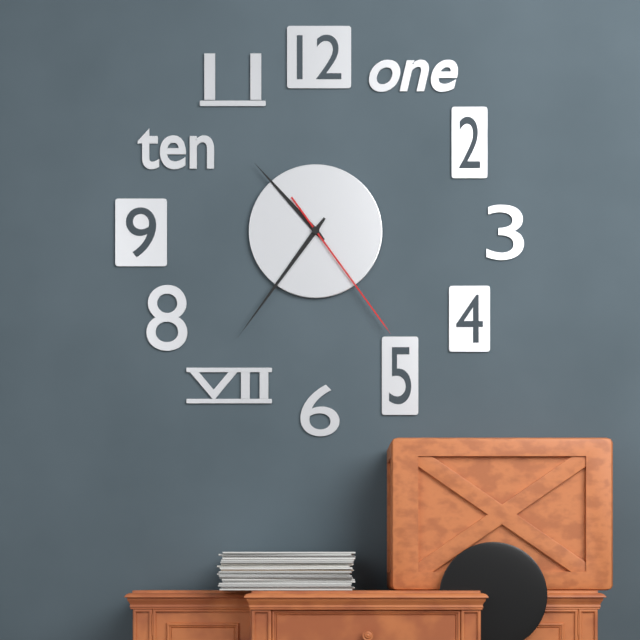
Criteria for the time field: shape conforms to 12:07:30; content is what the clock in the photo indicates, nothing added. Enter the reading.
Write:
10:36:24
